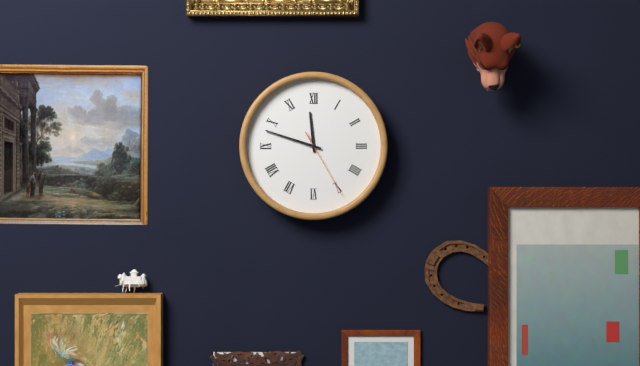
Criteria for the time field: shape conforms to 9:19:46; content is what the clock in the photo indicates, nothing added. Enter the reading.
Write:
11:48:25
